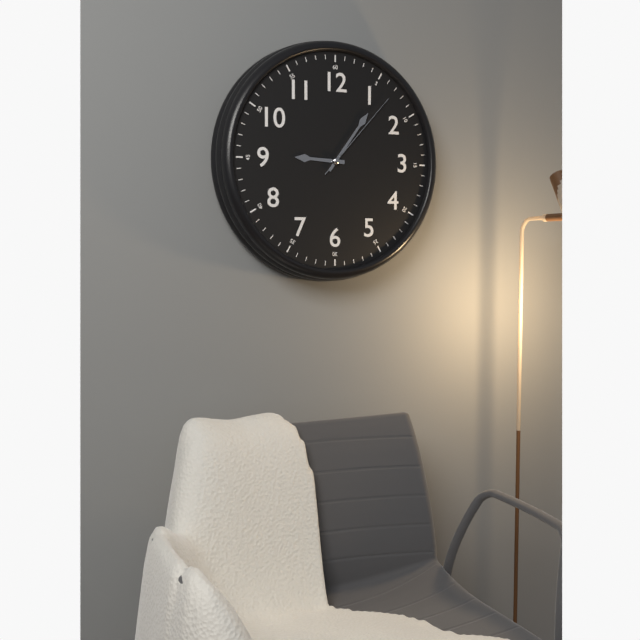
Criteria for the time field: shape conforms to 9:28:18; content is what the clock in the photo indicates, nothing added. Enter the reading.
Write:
9:06:07
